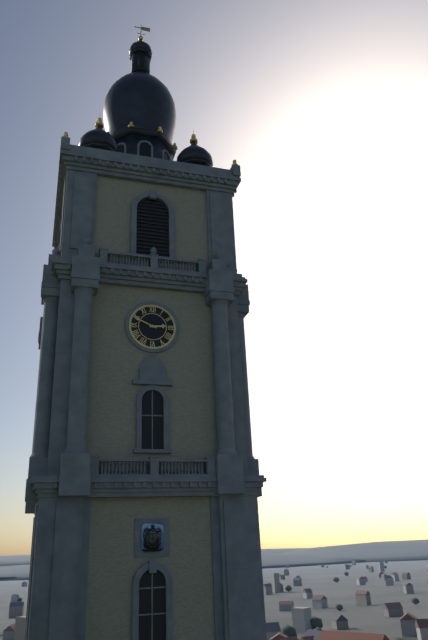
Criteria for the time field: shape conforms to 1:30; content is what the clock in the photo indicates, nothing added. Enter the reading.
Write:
2:49
